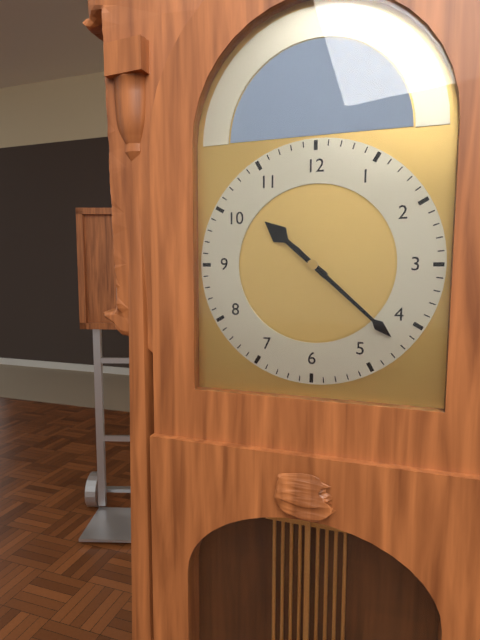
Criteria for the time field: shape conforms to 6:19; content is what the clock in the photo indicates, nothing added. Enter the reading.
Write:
10:22
